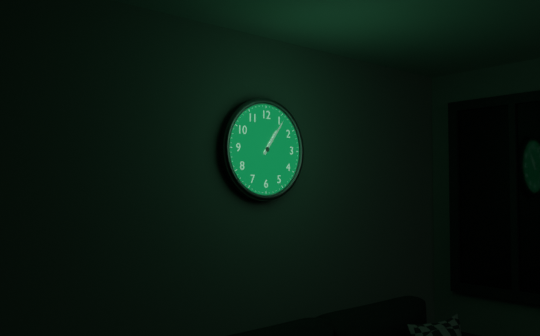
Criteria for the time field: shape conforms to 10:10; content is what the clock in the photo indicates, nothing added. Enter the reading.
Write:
1:06
